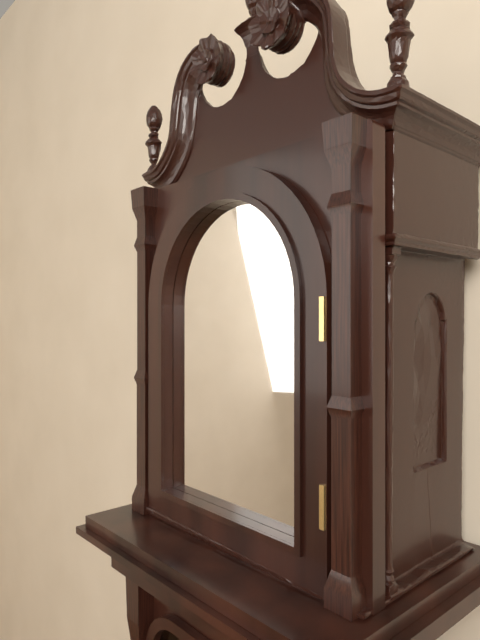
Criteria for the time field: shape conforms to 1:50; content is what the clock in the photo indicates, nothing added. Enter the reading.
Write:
4:13
